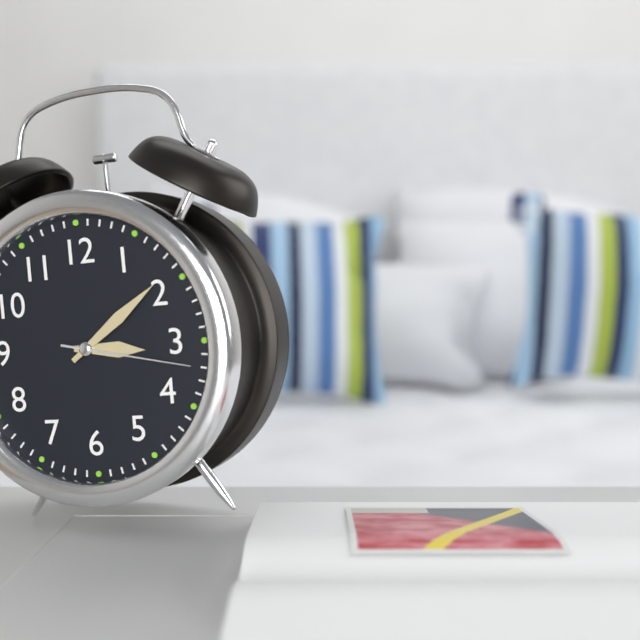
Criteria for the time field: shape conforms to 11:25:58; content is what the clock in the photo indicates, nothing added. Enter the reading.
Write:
3:09:17
